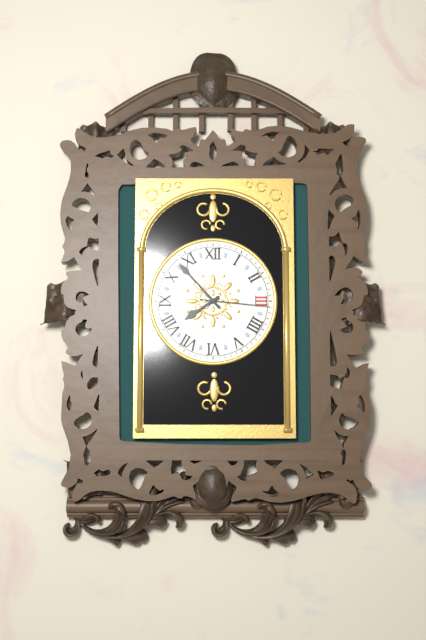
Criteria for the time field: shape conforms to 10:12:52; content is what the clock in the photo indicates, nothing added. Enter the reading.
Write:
7:53:16
